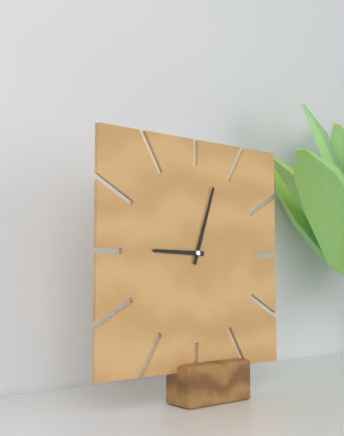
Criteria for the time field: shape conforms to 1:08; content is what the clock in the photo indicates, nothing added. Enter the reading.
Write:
9:03
